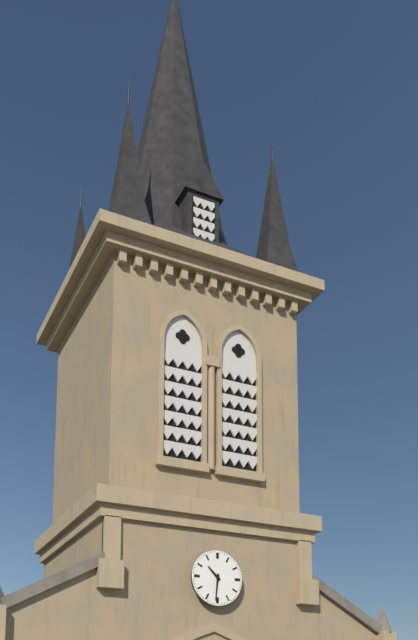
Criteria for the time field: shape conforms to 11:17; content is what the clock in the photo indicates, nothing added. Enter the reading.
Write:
10:31
